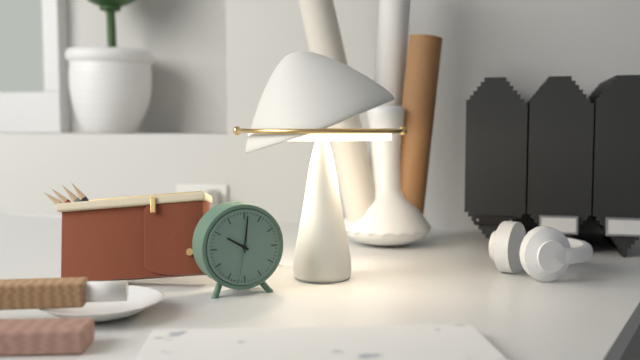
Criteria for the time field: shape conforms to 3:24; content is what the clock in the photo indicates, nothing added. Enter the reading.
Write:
10:01
